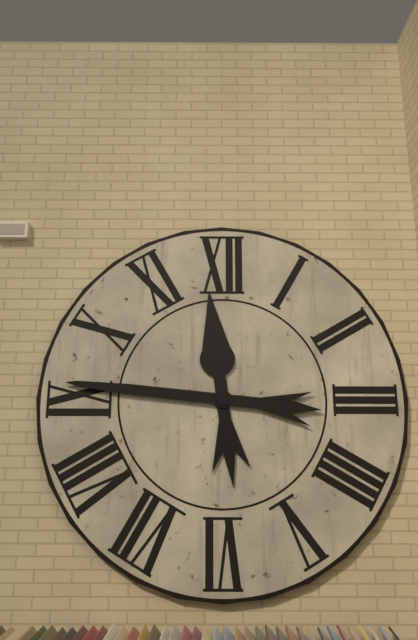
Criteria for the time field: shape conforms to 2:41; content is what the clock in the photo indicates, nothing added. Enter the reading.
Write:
11:46
